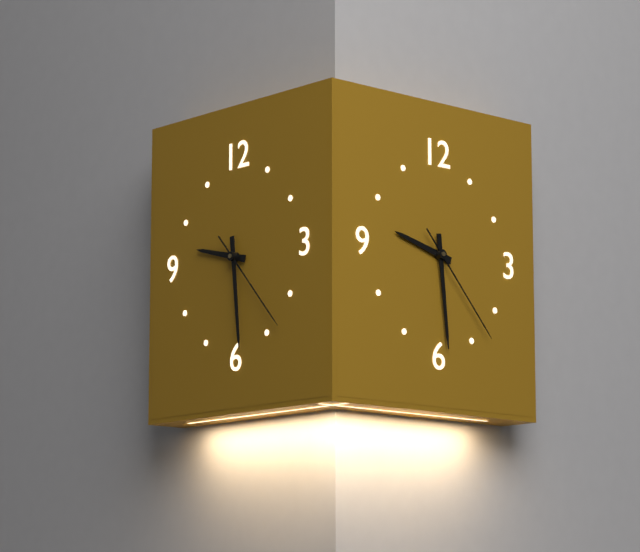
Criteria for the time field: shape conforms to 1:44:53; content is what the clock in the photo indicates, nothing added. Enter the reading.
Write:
9:29:23
